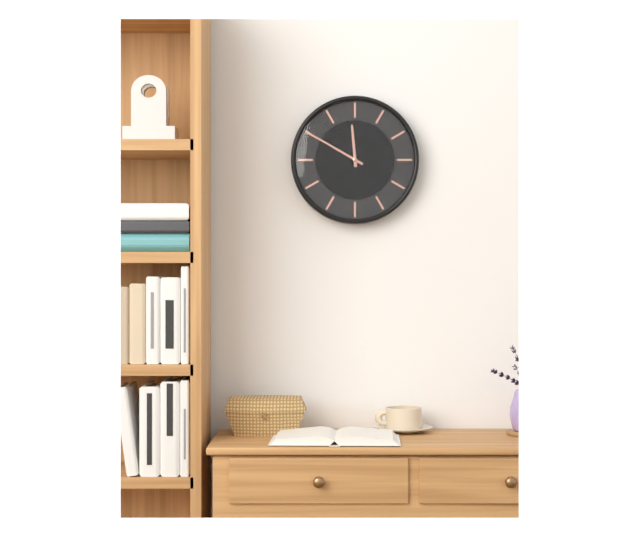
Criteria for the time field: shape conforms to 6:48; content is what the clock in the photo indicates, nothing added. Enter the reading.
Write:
11:50
